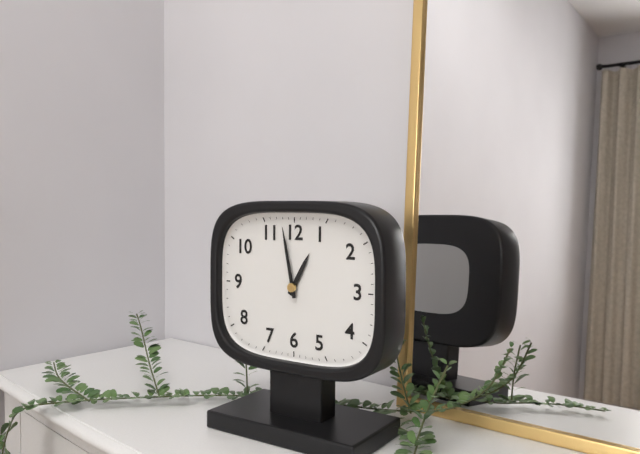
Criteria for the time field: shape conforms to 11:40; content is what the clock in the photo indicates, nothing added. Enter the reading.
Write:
12:58
